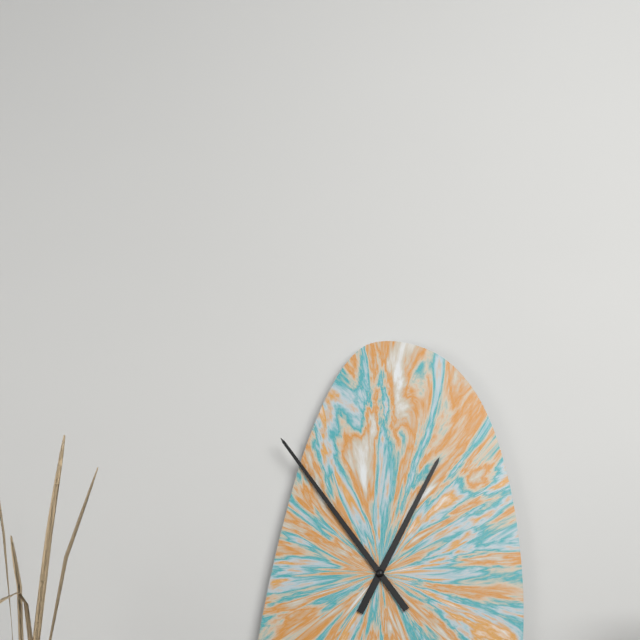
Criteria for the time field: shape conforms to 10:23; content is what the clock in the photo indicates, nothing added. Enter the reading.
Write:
12:54
